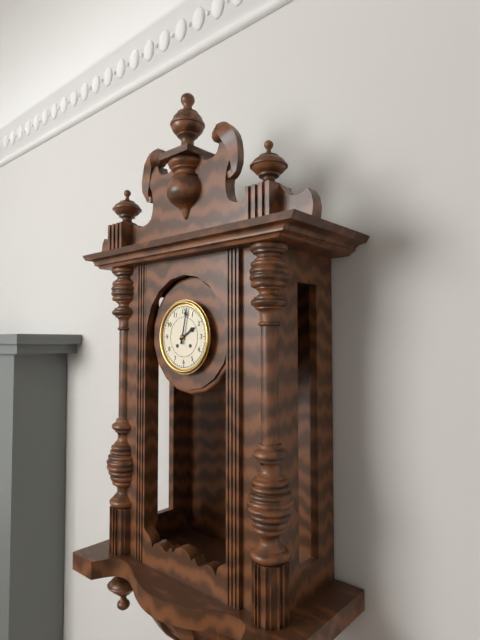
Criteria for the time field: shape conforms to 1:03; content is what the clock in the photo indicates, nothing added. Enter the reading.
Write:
2:02
